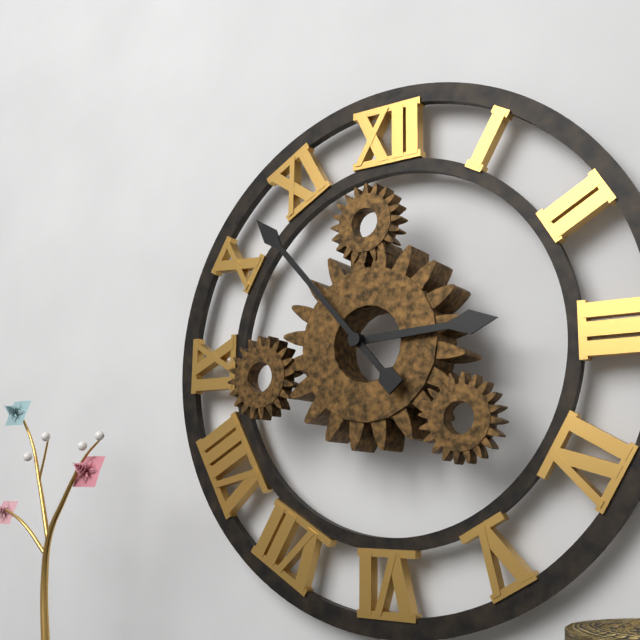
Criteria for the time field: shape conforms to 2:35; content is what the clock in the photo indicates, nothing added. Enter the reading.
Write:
2:53
